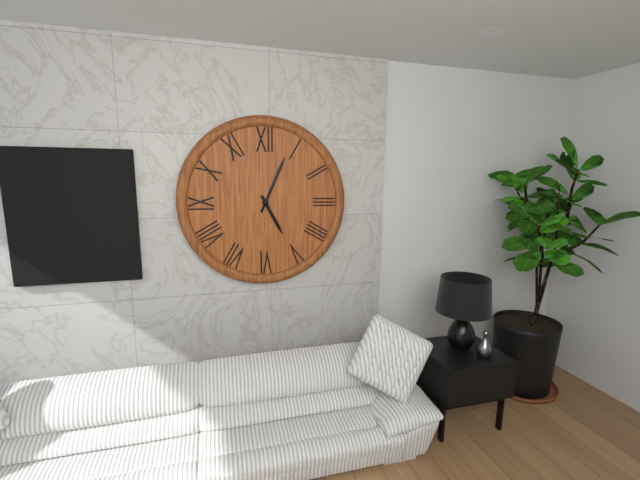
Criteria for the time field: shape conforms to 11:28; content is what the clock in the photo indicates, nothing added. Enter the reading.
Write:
5:04
